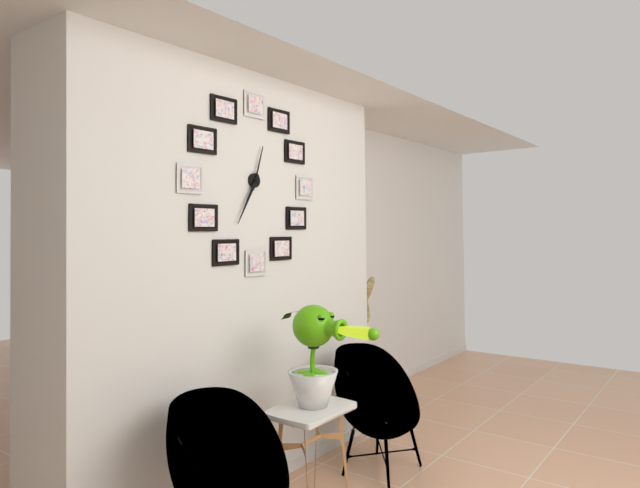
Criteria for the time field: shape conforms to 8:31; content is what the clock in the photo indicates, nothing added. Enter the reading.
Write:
12:35
